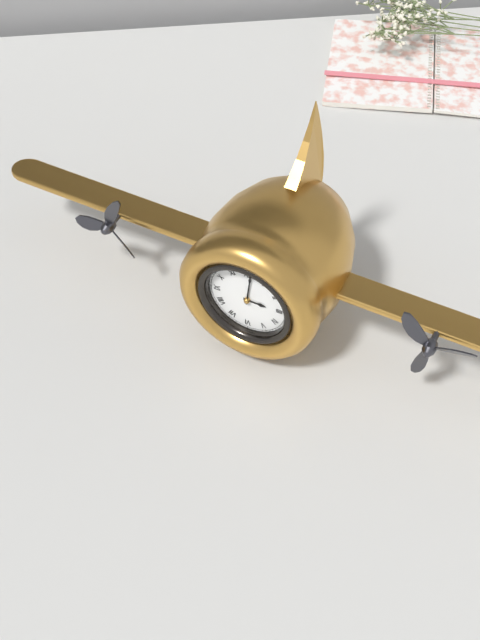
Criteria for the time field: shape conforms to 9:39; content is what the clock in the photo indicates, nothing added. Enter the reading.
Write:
3:01
